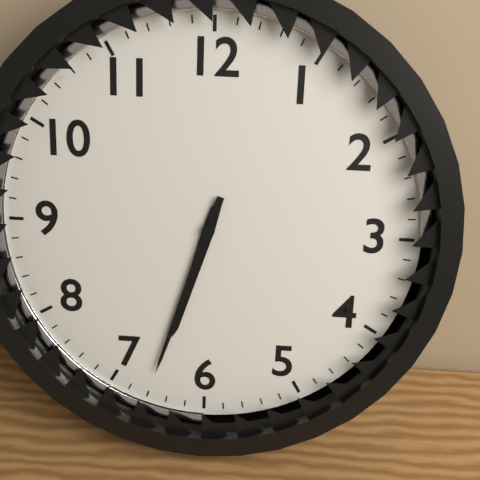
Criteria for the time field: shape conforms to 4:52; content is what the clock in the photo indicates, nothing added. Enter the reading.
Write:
6:33
